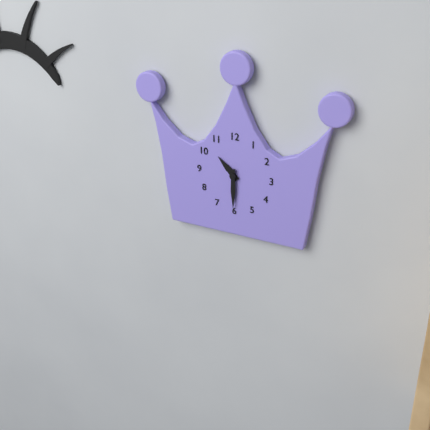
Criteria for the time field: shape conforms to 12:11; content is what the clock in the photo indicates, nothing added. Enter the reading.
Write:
10:30
